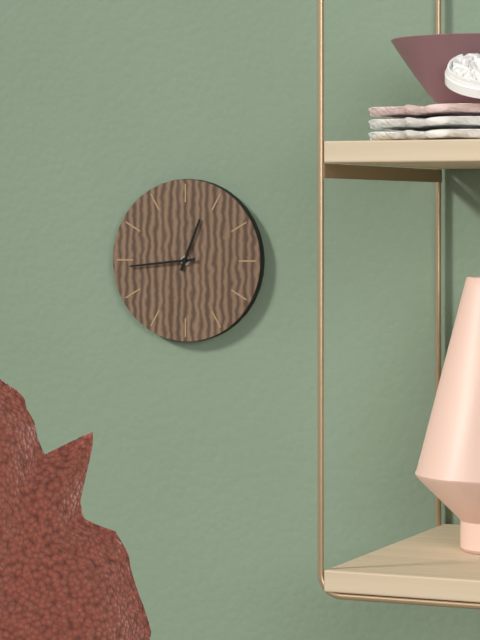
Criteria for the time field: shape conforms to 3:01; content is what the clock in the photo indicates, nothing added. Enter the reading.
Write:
12:44
